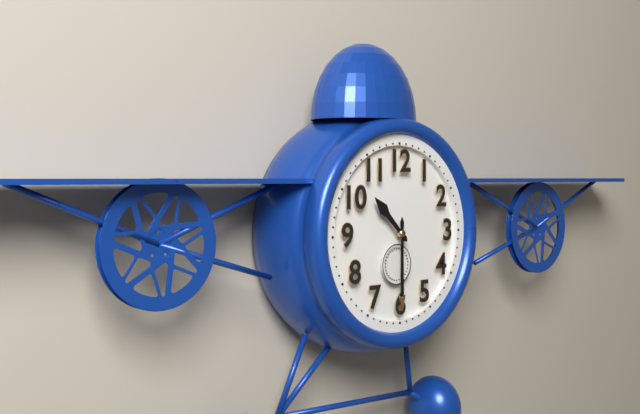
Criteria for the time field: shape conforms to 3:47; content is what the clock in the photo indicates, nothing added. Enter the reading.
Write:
10:30
